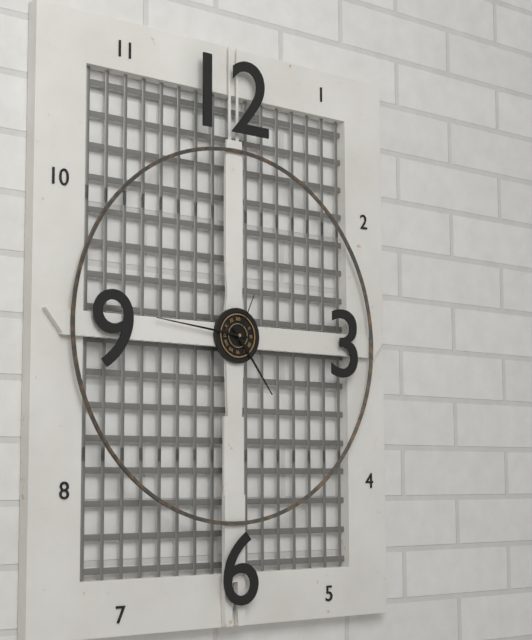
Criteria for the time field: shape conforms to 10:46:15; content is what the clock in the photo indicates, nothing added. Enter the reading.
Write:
4:46:04
